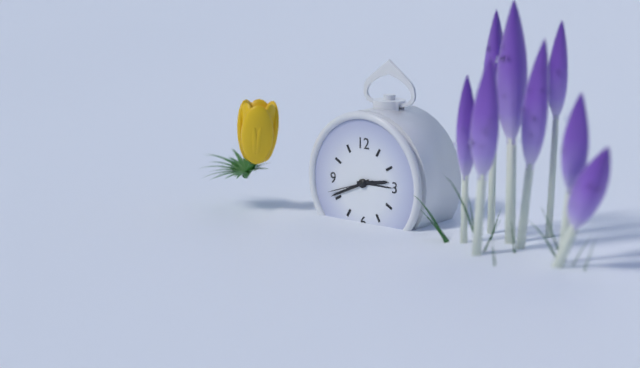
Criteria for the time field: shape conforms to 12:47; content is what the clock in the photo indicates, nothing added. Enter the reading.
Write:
2:41
